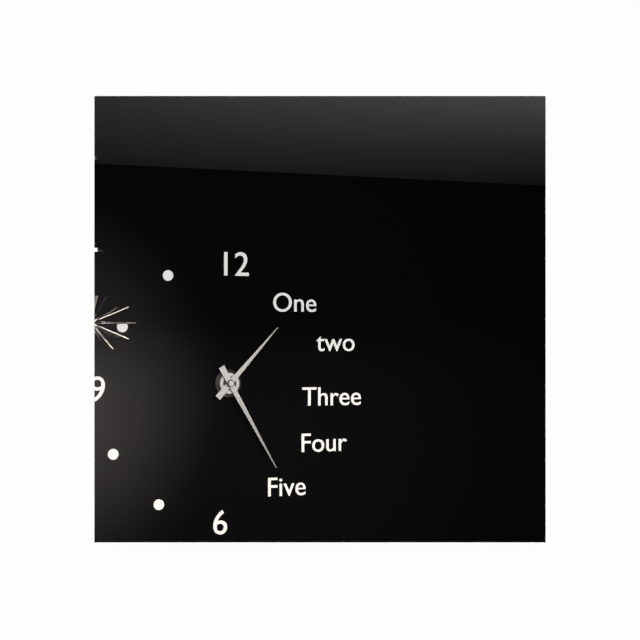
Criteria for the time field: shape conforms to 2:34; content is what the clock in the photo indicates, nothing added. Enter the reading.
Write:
1:25
